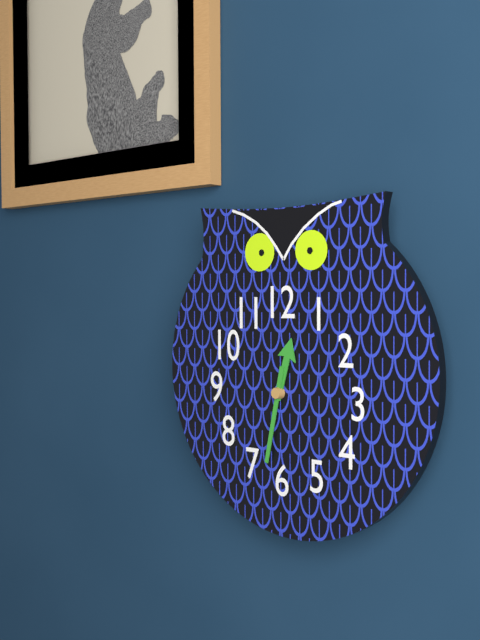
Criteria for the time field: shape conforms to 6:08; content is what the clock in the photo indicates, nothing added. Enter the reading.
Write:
12:32
